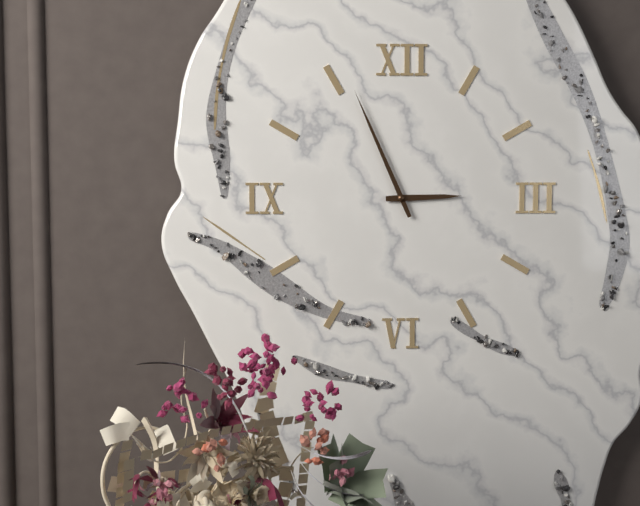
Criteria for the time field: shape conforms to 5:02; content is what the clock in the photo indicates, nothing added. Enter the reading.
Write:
2:56
